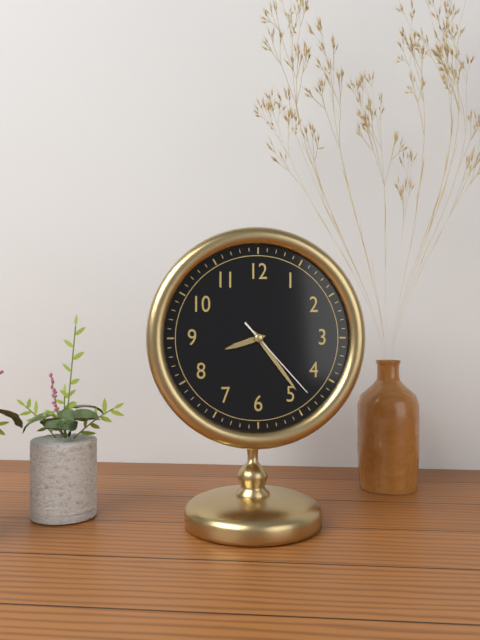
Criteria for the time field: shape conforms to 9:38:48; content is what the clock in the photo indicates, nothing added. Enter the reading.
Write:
8:24:23
